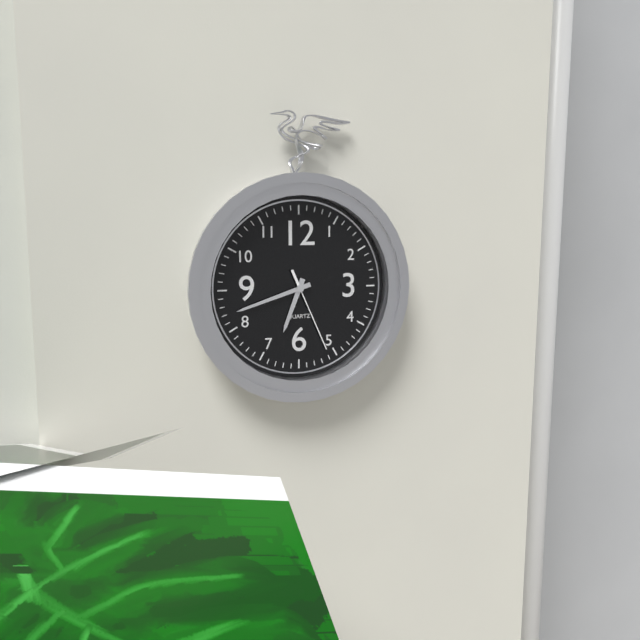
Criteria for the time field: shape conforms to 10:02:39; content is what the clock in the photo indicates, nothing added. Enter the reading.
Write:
6:42:26
